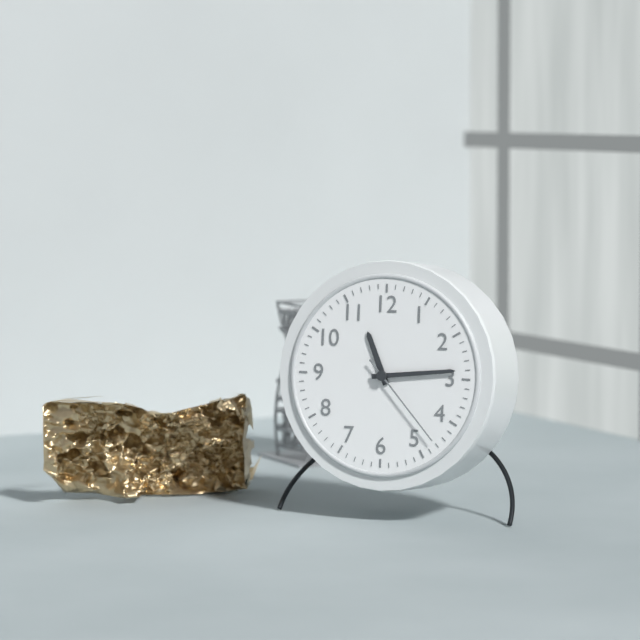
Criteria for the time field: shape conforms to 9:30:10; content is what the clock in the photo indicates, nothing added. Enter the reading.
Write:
11:14:23
